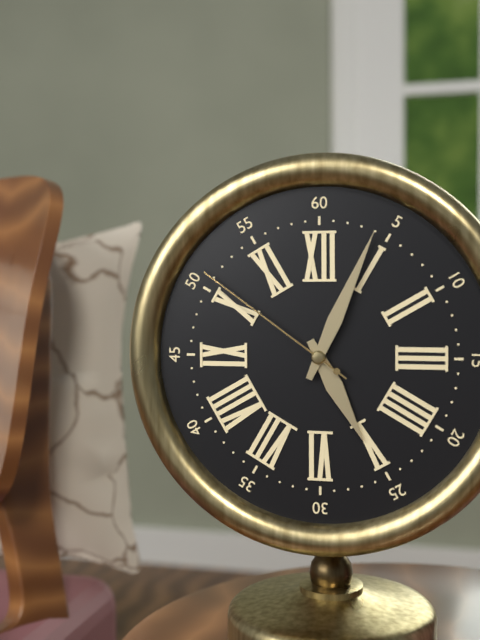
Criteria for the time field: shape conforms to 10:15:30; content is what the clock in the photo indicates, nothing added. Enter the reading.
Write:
5:04:51
